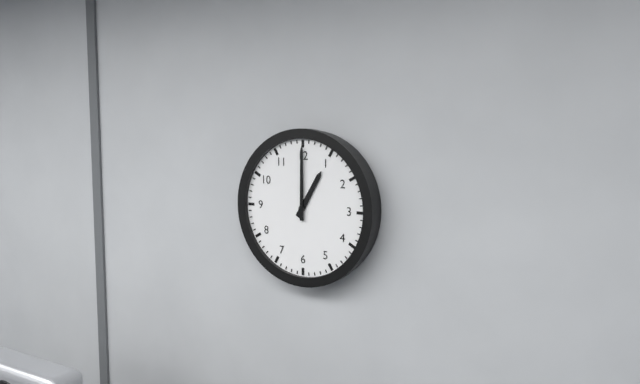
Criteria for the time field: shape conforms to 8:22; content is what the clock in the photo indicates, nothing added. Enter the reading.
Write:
1:00
